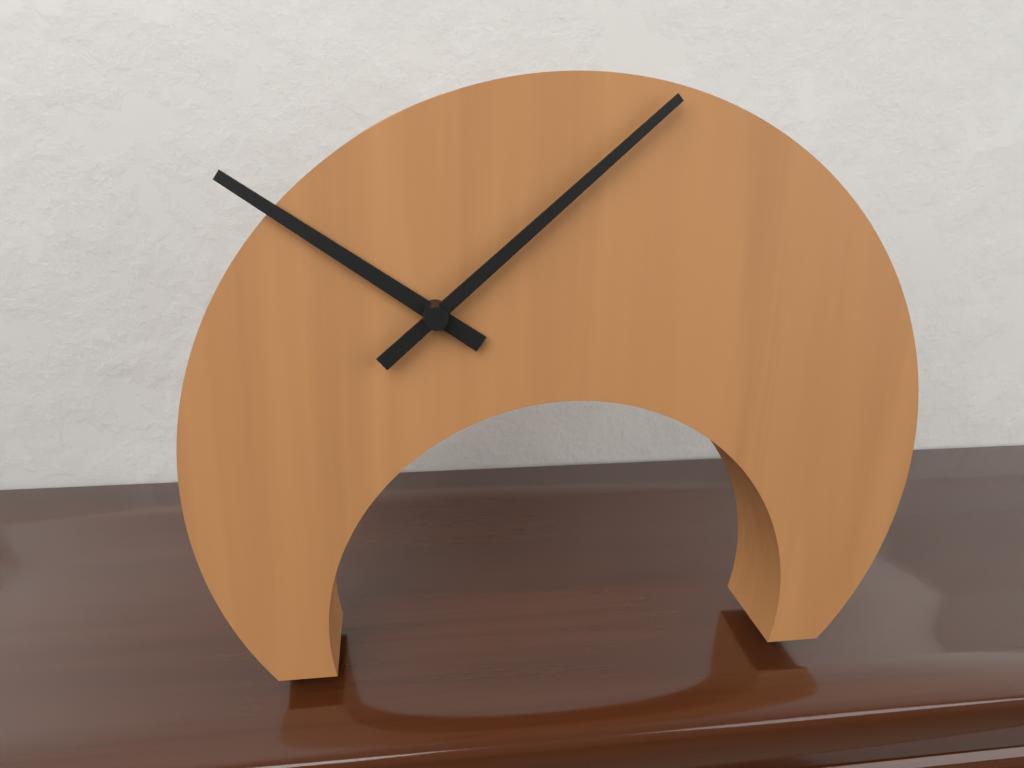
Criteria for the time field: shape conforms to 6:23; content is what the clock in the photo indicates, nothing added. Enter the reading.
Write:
10:08
